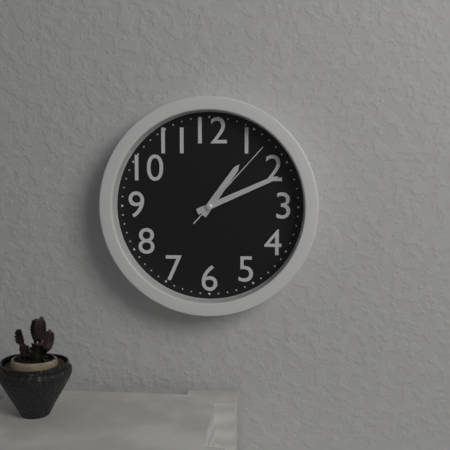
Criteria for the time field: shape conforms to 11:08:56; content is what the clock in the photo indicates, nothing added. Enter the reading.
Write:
1:11:07
